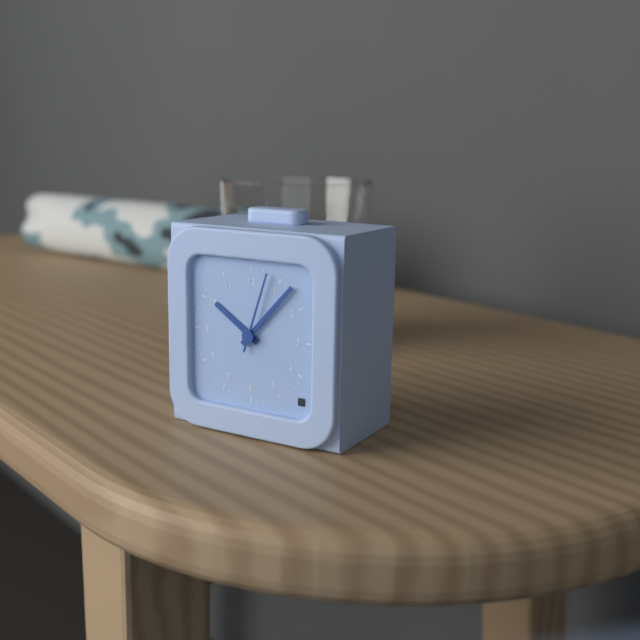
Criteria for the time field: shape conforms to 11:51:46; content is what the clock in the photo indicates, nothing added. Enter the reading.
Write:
10:07:03
